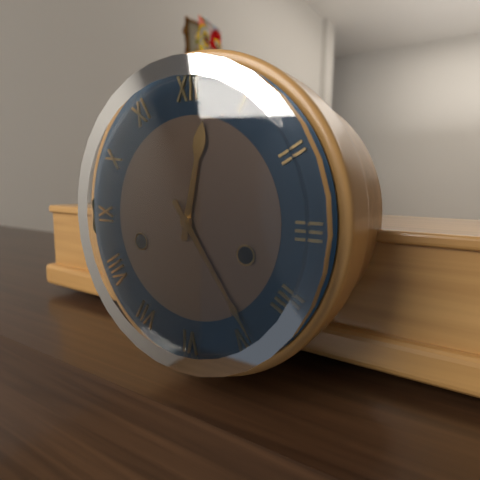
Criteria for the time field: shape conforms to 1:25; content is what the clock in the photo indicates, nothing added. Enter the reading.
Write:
12:24
